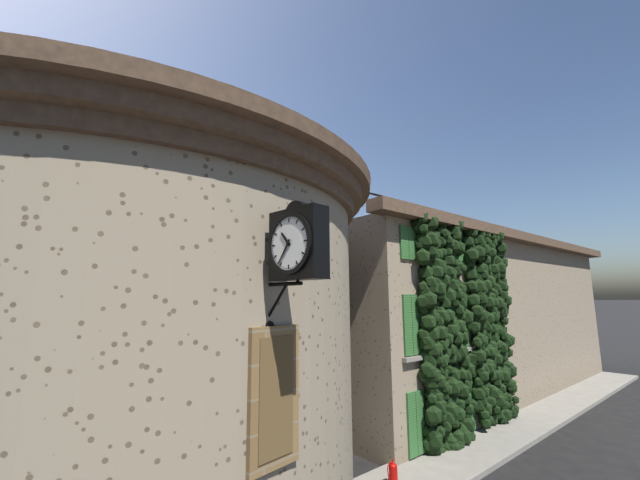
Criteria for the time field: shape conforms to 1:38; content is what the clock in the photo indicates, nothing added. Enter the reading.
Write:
10:36
